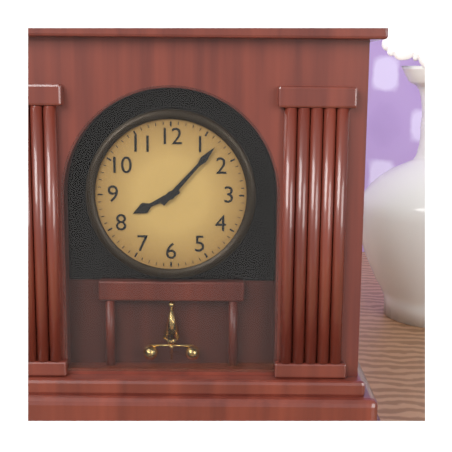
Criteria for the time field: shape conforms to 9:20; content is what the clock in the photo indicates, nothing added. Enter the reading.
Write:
8:07
